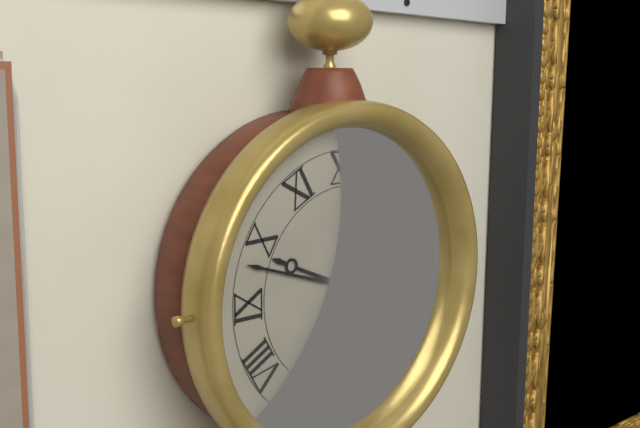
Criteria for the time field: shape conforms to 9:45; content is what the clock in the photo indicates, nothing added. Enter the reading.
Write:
9:48
